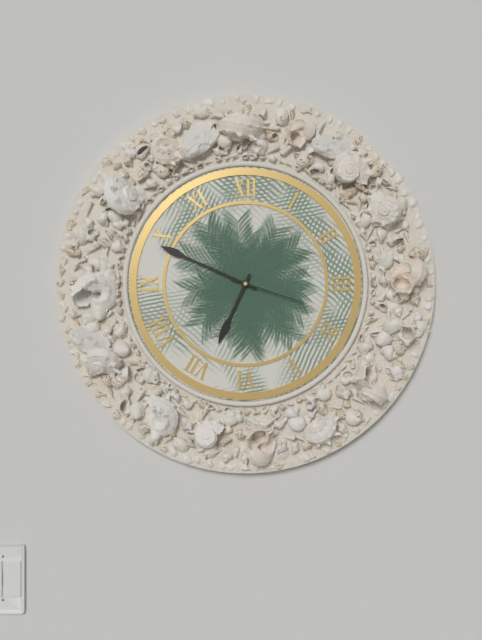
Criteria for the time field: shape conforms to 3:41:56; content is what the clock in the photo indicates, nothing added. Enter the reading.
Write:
6:49:18
